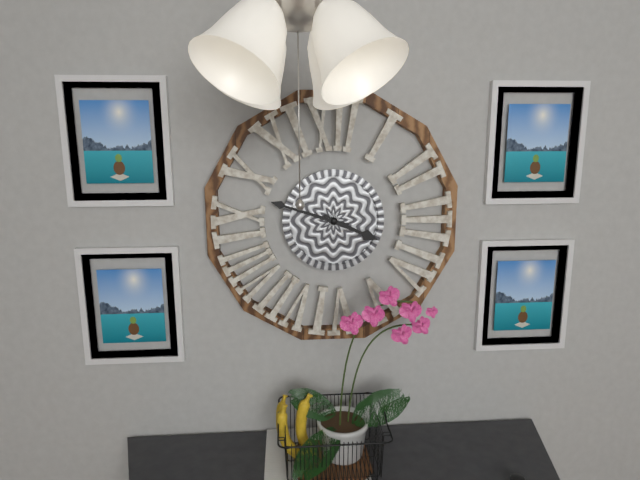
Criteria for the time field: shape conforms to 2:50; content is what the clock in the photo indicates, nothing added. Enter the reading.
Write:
3:48
